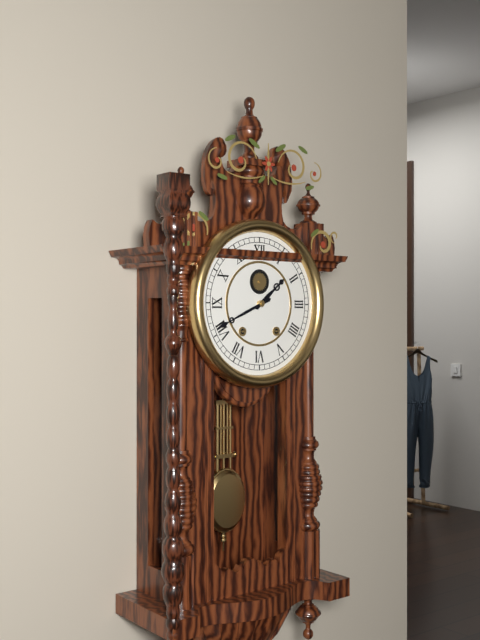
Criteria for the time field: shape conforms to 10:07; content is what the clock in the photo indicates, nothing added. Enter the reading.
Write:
1:41
